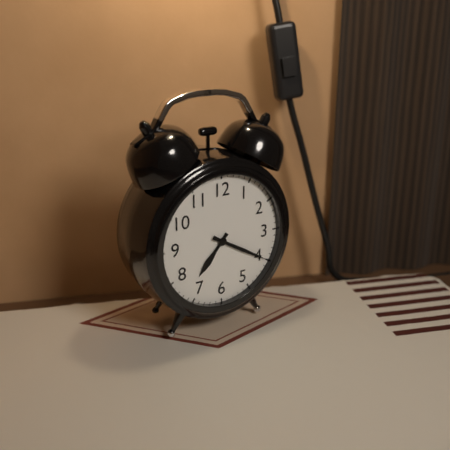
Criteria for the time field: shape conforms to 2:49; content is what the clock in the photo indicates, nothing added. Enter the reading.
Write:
7:20
